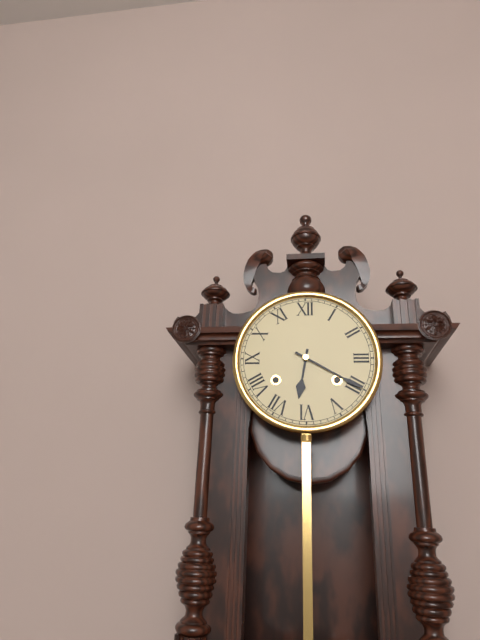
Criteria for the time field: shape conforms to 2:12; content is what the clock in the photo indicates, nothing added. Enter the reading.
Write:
6:20
